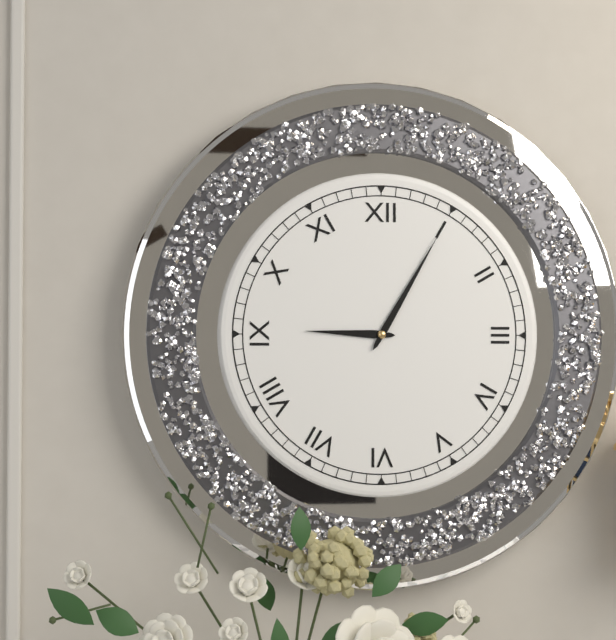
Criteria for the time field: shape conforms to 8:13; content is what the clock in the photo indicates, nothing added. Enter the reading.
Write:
9:05
